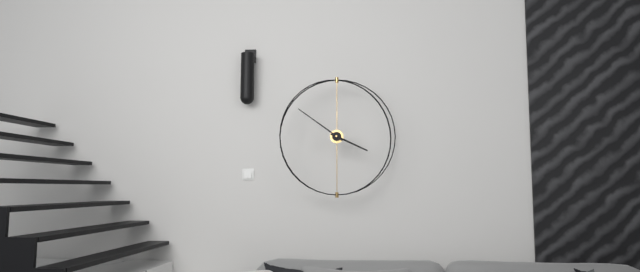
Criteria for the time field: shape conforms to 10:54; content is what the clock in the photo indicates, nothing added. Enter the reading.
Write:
3:51
